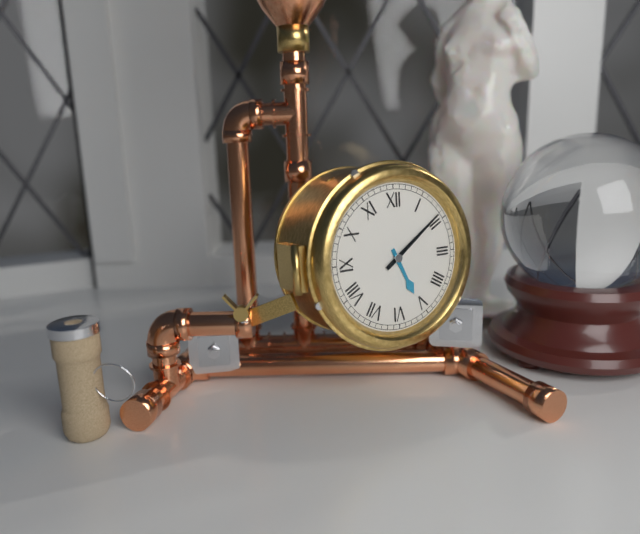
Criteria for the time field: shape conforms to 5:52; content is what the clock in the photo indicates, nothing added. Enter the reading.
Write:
5:09
